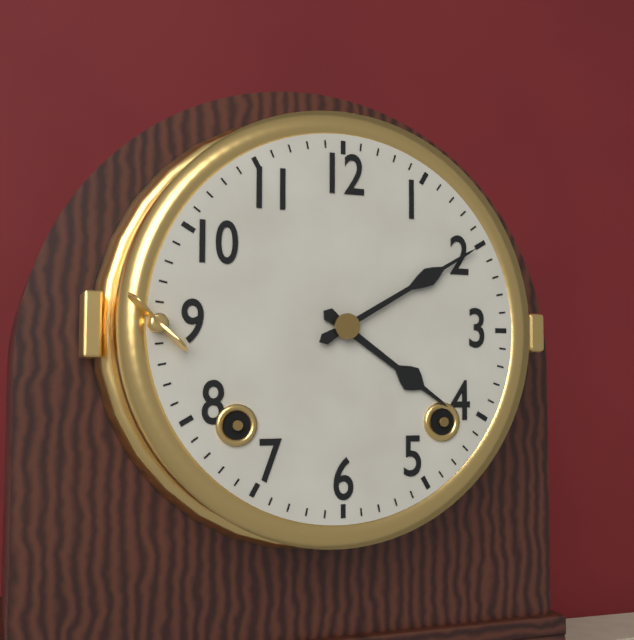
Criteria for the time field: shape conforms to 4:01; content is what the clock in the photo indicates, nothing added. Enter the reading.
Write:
4:10
